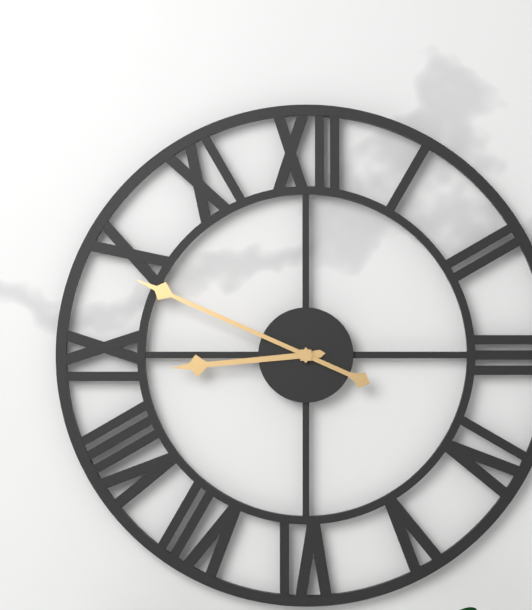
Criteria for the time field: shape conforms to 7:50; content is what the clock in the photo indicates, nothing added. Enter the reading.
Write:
8:49
